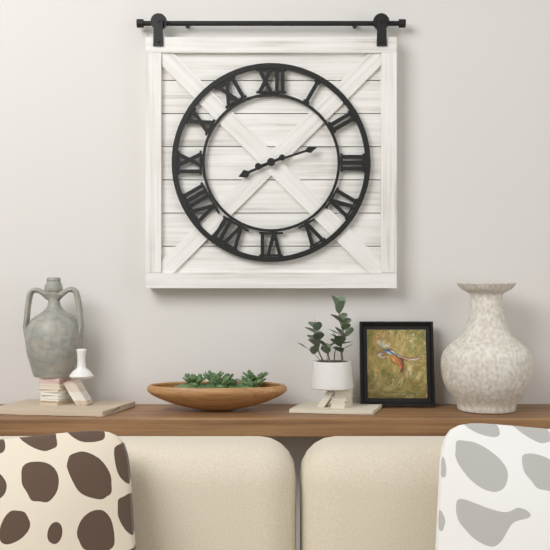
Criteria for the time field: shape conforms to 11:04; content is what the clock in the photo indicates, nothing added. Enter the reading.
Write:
8:12
